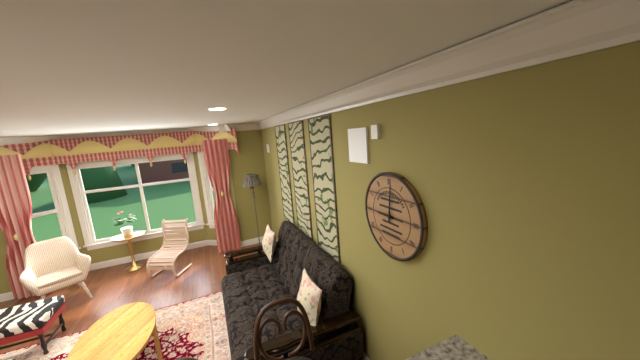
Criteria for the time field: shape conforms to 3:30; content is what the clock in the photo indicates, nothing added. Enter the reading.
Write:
9:01
